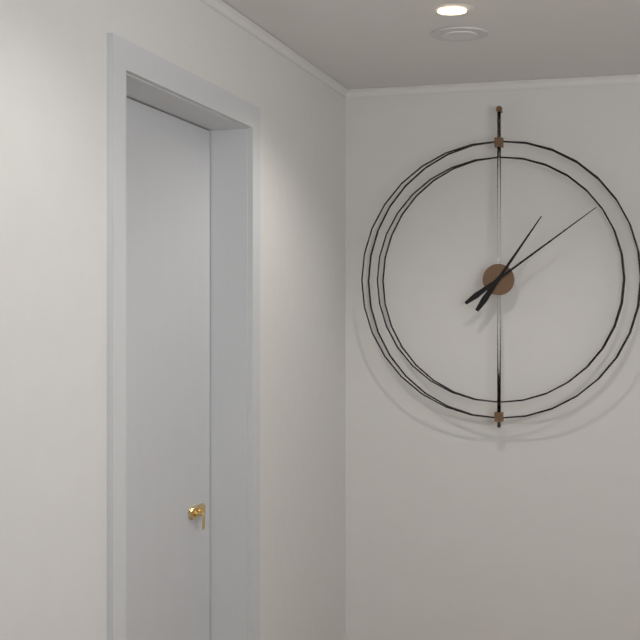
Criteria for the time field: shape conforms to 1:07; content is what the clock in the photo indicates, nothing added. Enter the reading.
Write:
1:09
